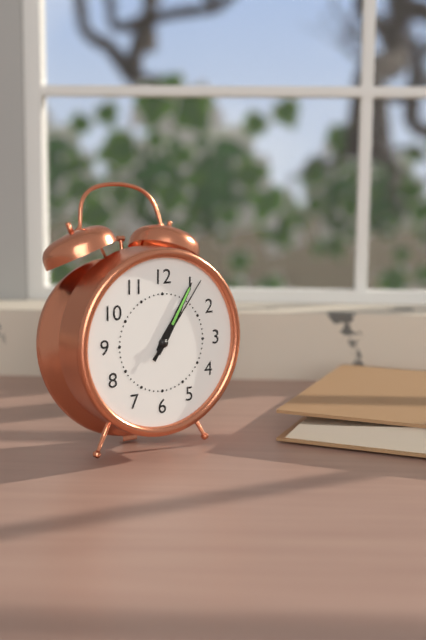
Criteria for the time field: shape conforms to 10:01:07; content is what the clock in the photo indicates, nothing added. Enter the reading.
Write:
1:05:06
